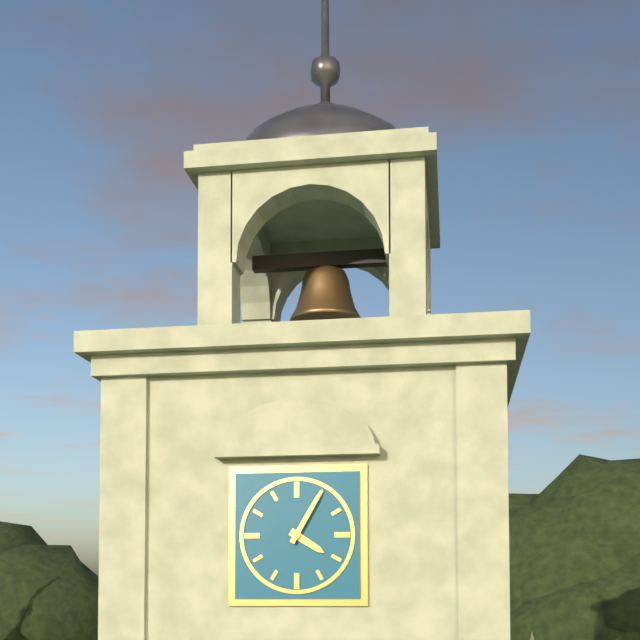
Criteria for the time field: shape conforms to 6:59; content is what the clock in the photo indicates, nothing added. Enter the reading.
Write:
4:05
